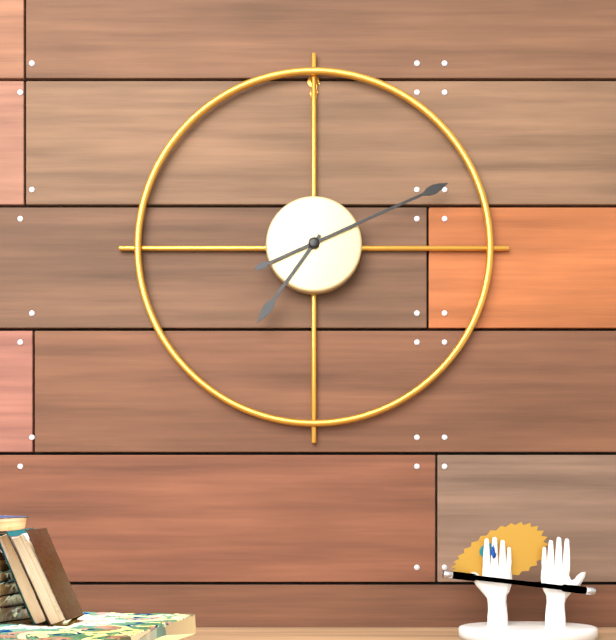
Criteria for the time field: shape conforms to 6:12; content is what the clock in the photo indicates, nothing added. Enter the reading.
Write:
7:11
